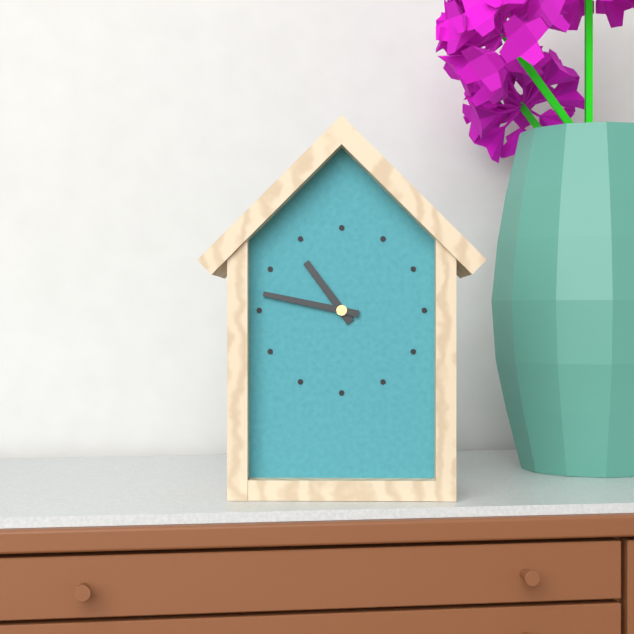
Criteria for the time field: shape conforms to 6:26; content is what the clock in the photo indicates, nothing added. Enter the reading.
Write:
10:47
